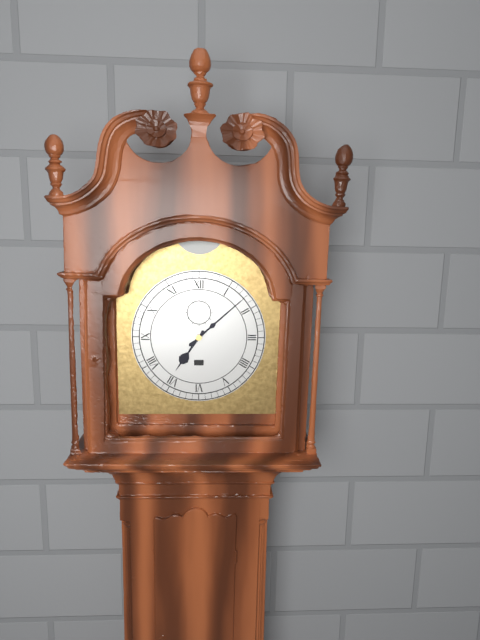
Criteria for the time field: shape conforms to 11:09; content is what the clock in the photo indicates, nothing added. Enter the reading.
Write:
7:08
